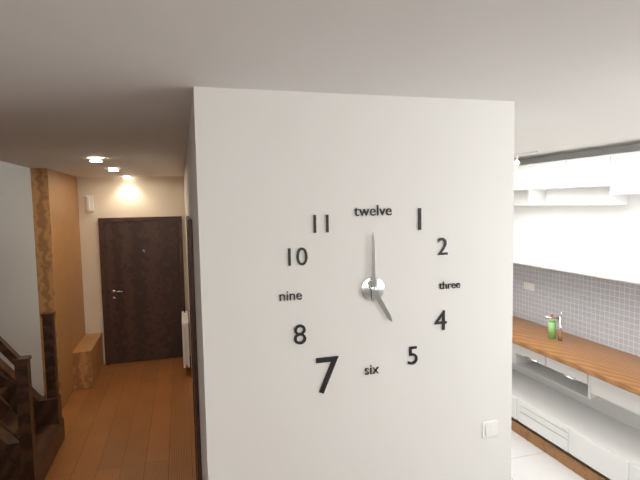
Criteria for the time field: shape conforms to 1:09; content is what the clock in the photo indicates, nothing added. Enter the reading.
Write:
5:00
